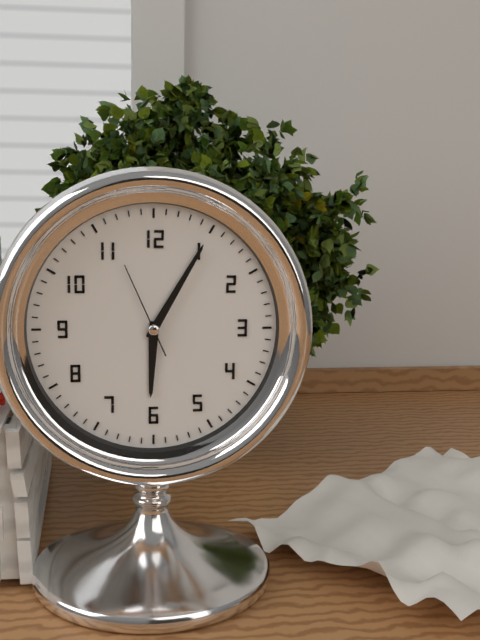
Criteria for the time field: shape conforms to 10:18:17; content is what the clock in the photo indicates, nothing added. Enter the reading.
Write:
6:05:56
